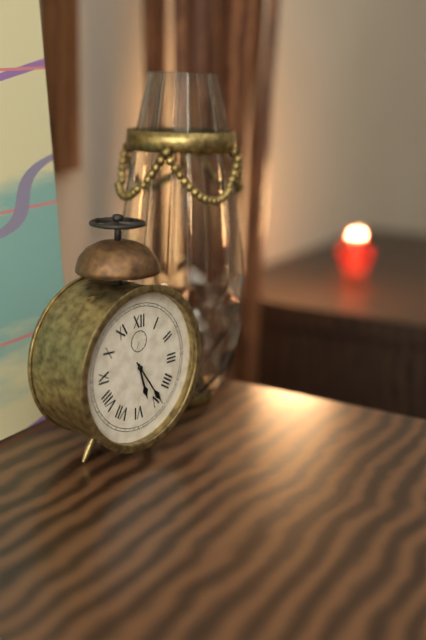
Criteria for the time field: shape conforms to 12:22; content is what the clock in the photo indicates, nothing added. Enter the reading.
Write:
5:24
